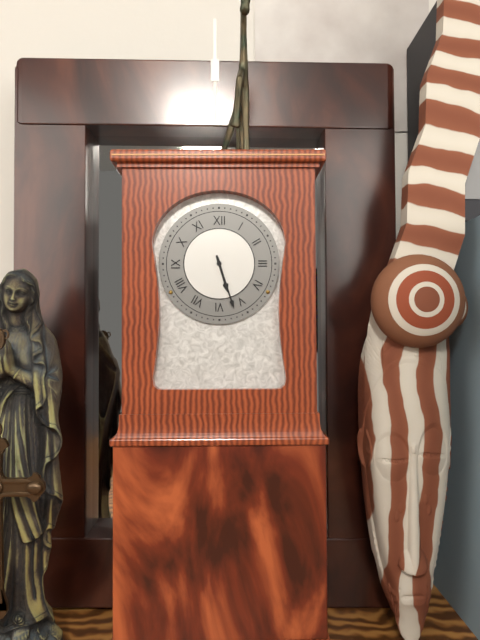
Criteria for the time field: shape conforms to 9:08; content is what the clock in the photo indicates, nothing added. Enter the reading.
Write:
5:27
